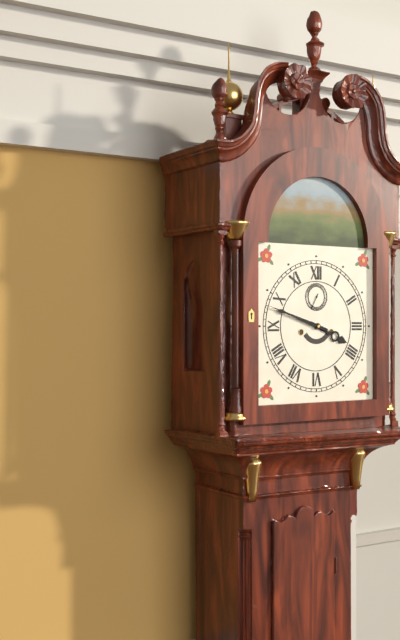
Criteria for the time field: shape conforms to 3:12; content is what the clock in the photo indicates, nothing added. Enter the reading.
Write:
3:48
